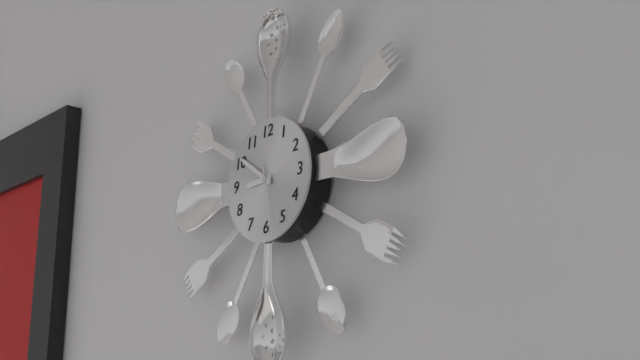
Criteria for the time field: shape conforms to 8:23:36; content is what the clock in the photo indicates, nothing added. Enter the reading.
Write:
8:51:28
